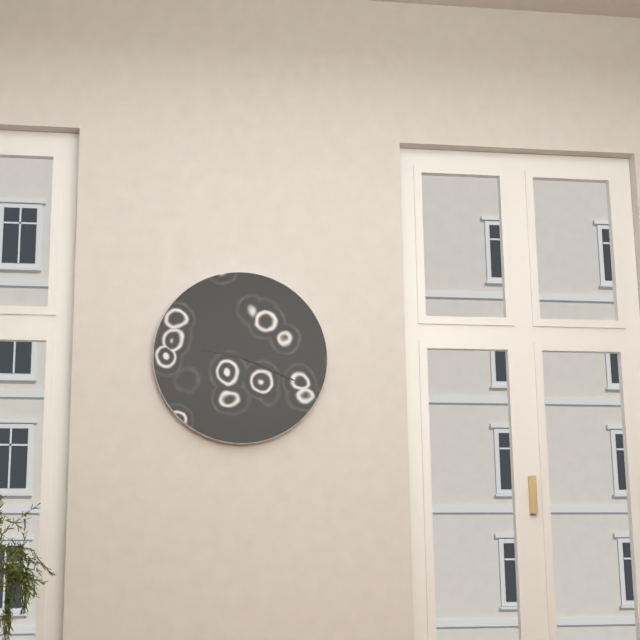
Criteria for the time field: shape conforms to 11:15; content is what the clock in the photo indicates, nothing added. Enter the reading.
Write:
9:19
